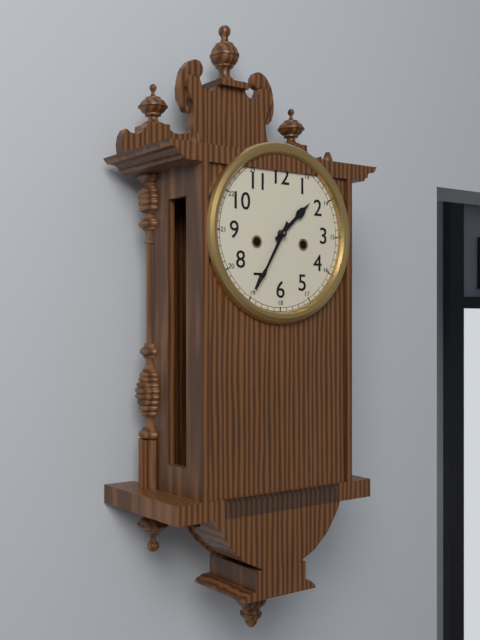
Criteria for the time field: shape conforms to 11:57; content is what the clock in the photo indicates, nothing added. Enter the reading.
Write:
1:35
